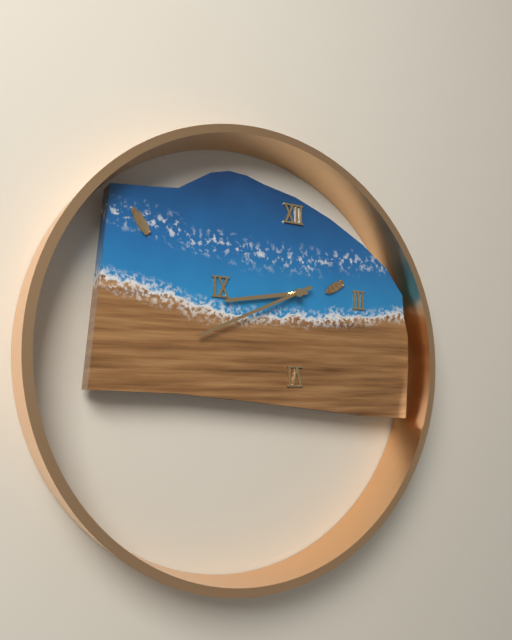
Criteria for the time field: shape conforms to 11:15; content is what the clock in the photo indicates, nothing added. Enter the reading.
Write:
8:41
